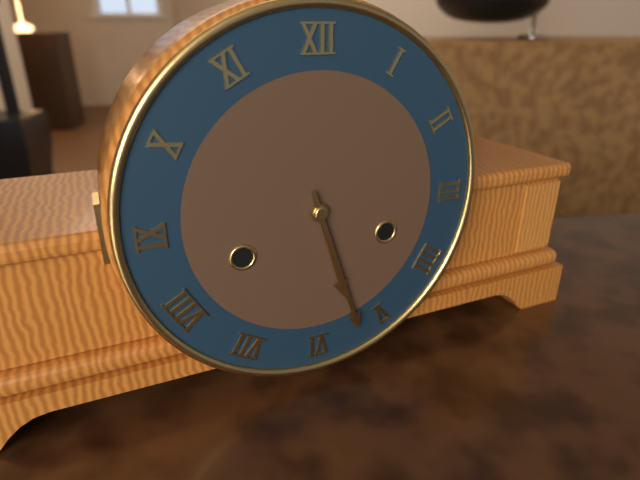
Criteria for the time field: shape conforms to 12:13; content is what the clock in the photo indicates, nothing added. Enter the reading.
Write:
5:27
